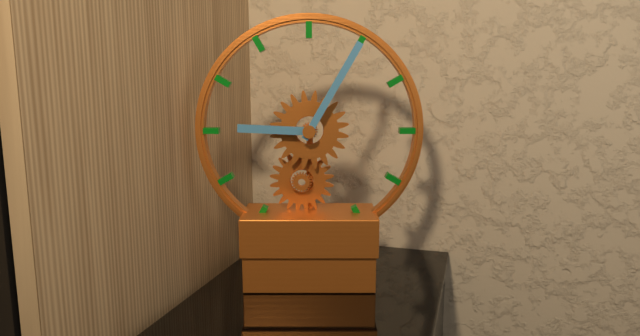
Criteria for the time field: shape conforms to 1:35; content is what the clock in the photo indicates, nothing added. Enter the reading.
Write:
9:05
